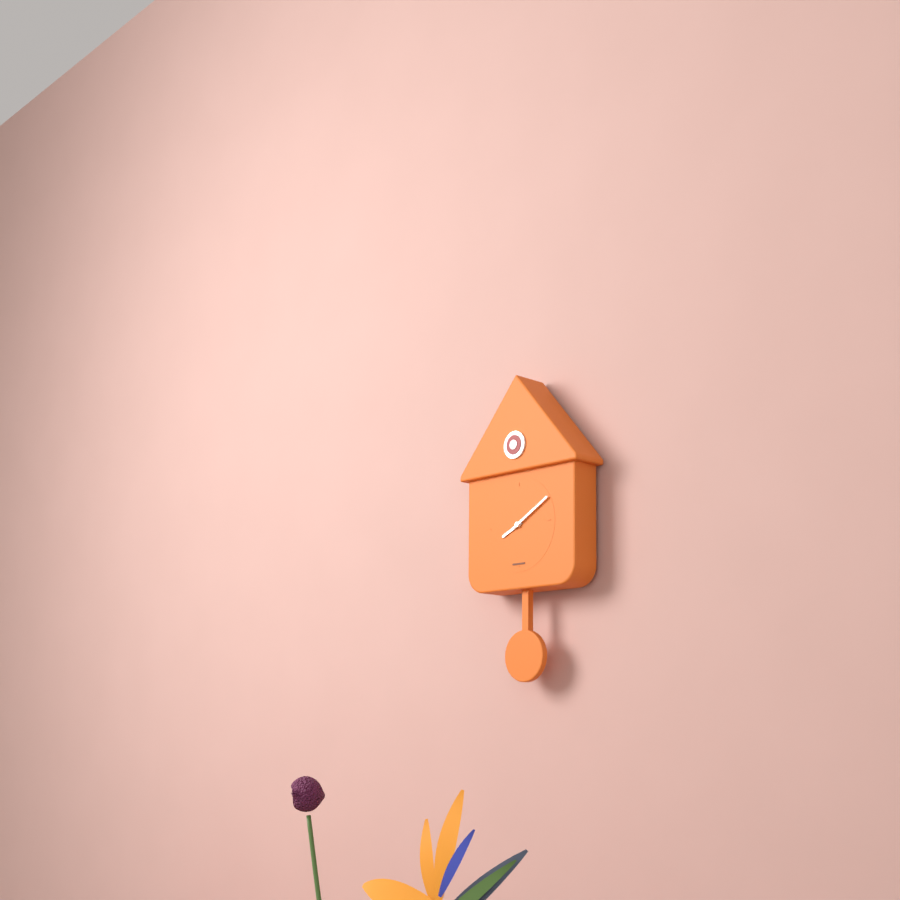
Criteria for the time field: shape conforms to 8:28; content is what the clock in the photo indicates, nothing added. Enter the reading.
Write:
8:10
